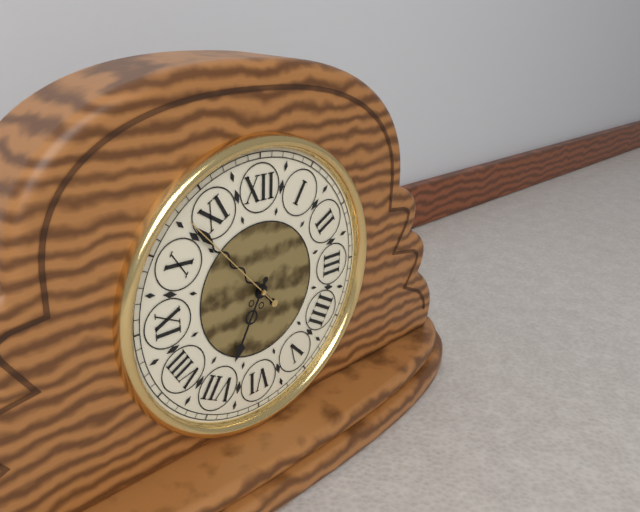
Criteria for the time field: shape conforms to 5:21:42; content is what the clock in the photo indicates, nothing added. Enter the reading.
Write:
6:53:53
